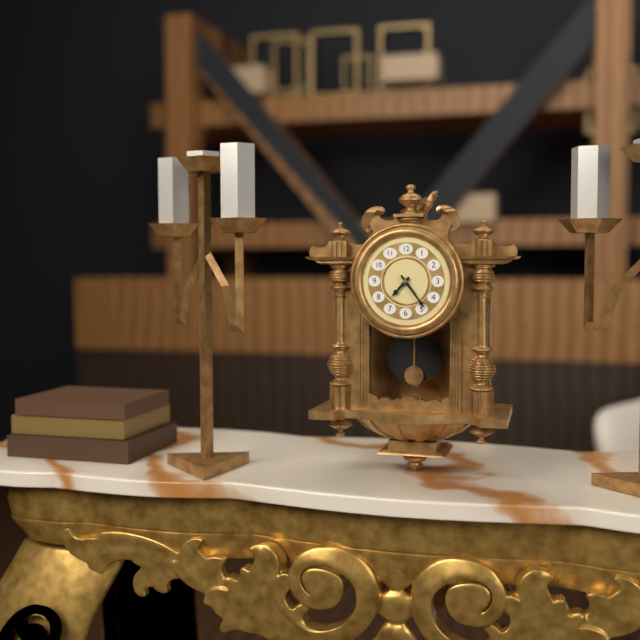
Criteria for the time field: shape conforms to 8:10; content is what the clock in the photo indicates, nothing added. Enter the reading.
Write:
7:24
